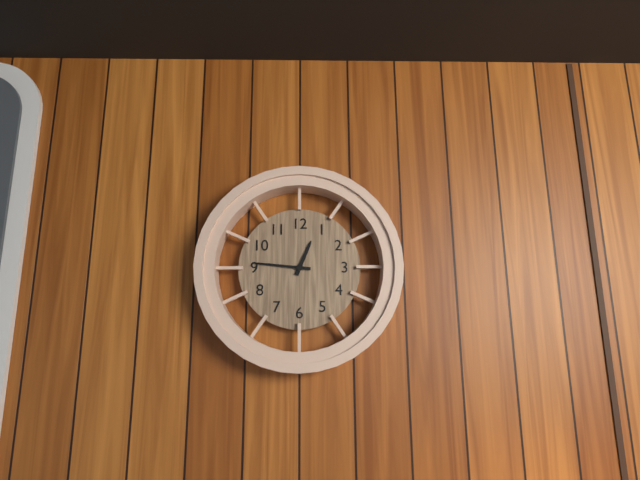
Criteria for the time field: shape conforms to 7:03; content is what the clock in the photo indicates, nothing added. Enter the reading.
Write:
12:46
